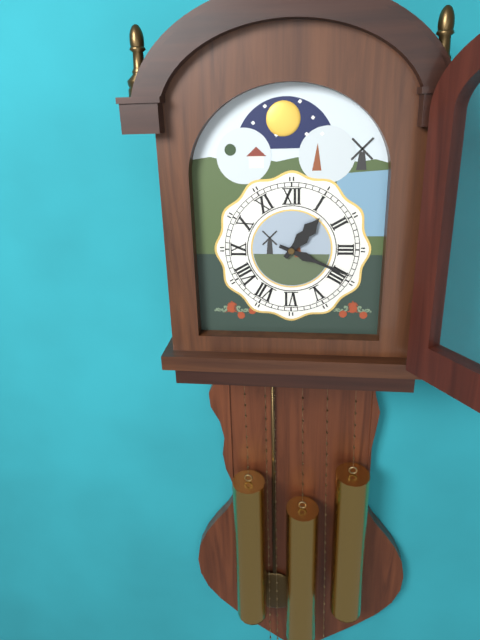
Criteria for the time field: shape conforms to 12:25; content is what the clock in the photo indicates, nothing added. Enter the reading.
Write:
1:19
